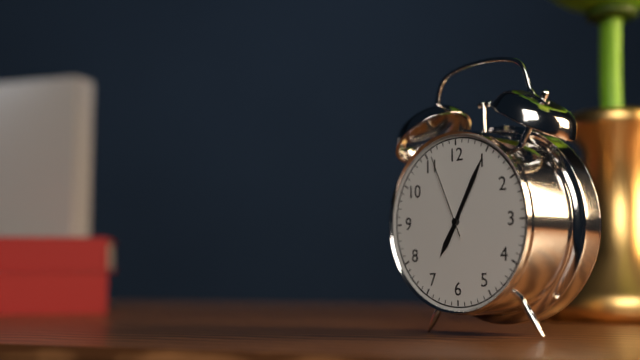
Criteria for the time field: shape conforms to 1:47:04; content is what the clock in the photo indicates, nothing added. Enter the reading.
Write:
7:05:56
